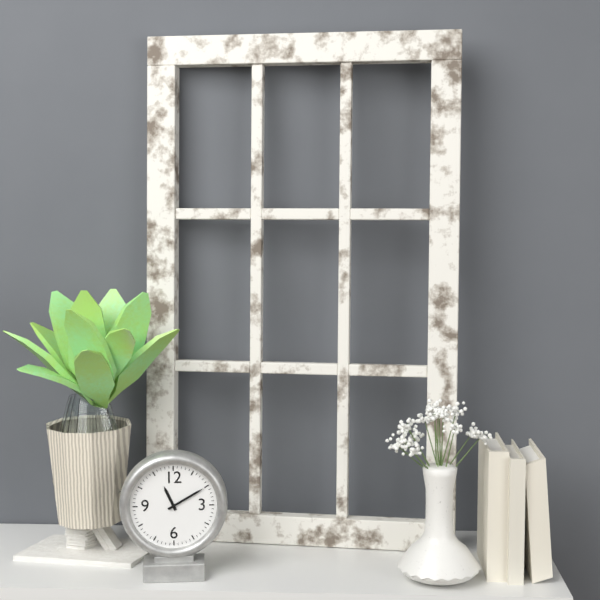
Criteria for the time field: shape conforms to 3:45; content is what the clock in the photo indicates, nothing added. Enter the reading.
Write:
11:10
